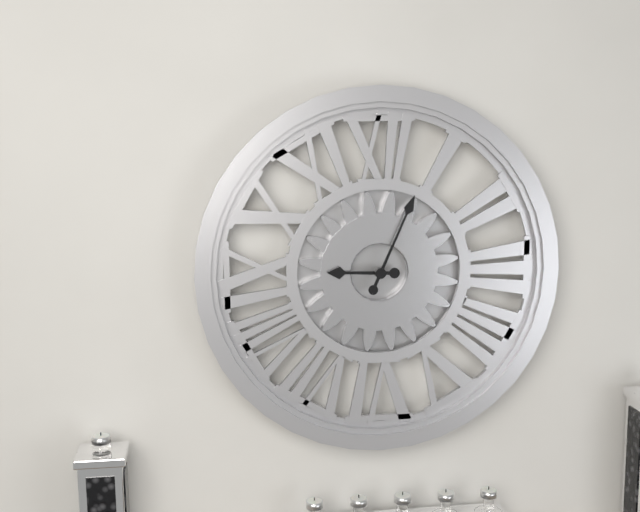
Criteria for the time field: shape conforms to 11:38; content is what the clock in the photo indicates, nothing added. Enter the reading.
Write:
9:04
